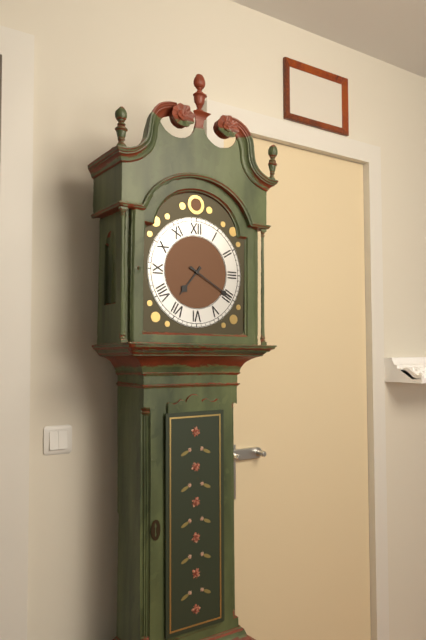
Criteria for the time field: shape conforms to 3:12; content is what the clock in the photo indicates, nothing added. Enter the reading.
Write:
7:20
